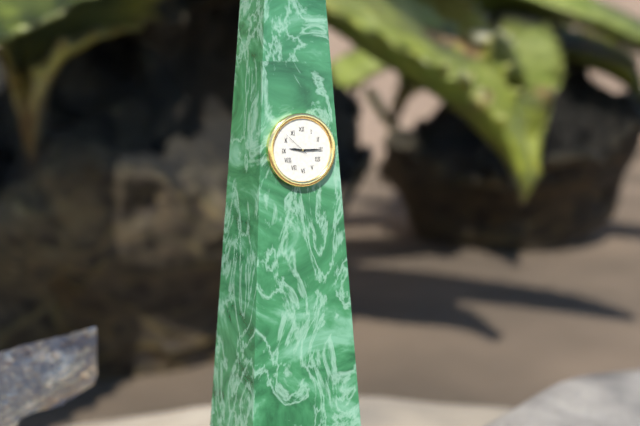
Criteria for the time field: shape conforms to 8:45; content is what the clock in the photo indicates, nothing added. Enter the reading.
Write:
9:15
